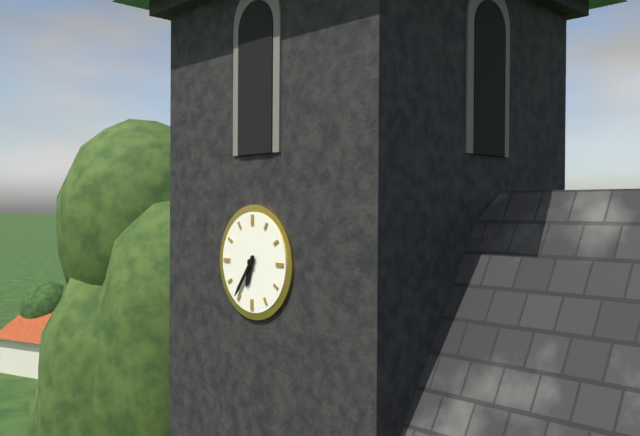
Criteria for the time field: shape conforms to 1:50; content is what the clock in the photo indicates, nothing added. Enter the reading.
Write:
6:36
